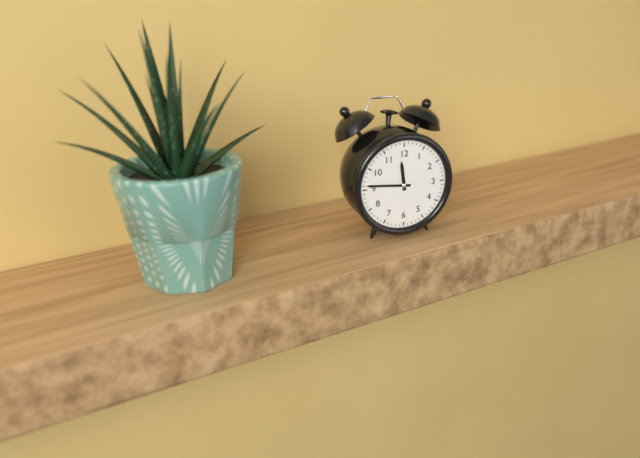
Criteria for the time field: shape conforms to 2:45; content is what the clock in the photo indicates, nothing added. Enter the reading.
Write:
11:46
